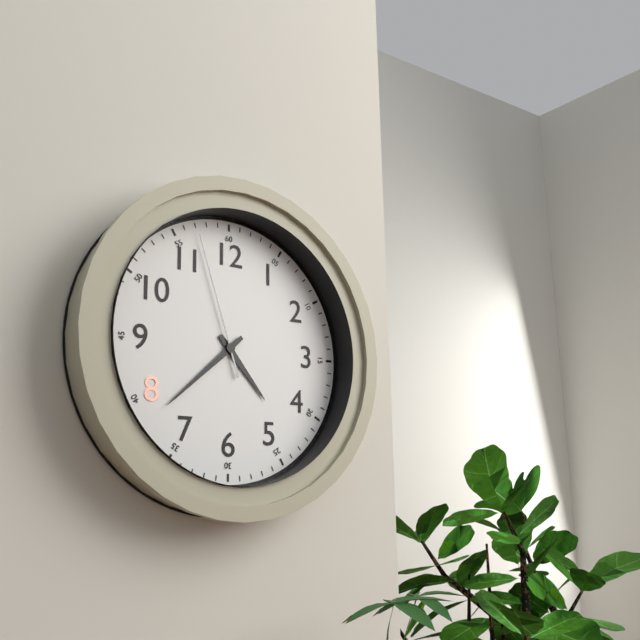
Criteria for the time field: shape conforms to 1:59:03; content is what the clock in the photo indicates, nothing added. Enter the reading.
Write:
4:38:57
